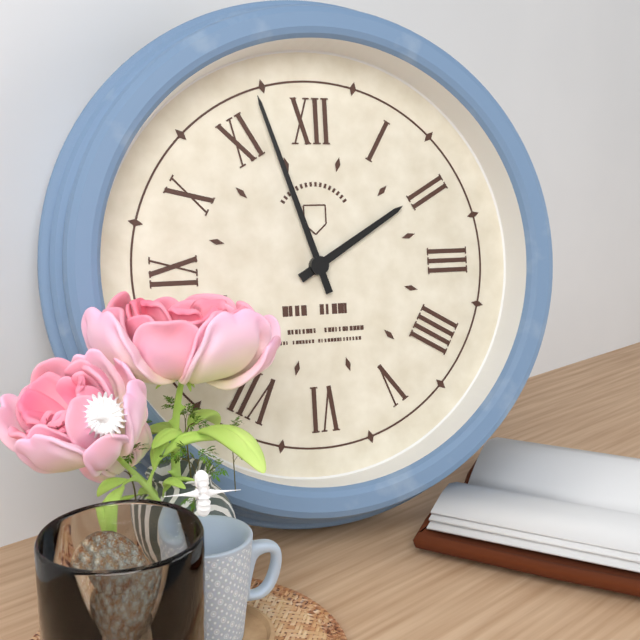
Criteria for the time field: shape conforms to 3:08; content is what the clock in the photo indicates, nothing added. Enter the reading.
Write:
1:57
